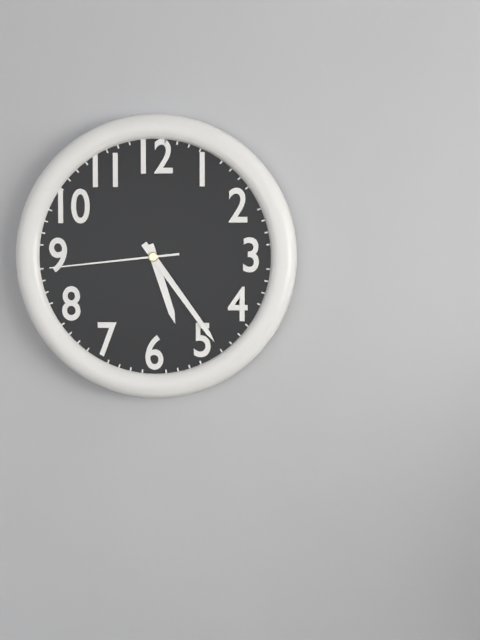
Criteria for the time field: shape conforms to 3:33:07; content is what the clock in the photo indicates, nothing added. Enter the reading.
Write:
5:24:44
